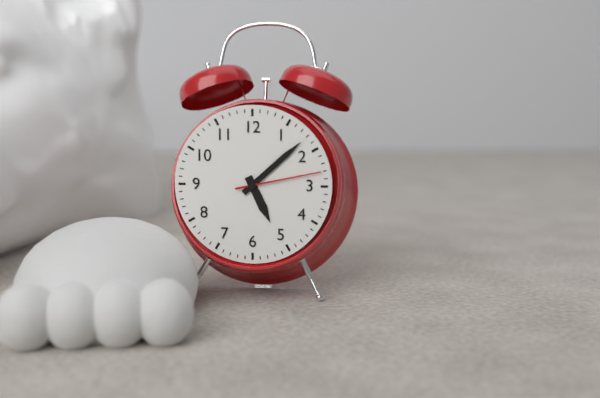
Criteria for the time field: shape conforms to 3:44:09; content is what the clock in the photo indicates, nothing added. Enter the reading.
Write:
5:08:13
